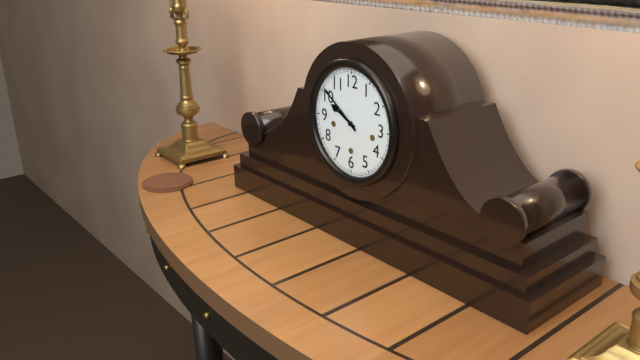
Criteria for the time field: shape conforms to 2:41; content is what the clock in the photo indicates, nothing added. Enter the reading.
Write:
9:51
